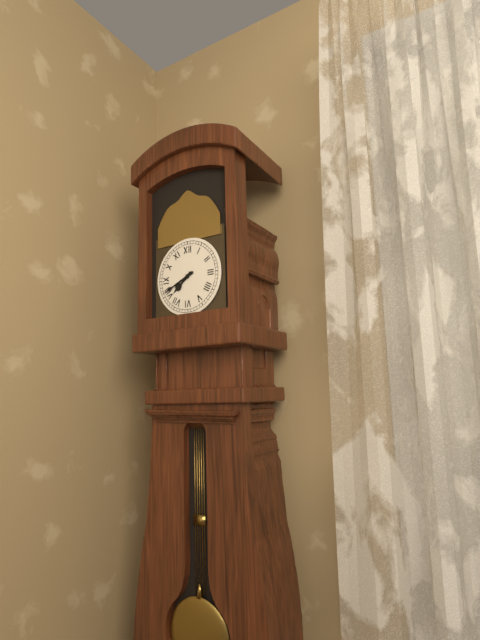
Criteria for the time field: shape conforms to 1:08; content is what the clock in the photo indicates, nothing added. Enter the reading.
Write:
7:41
